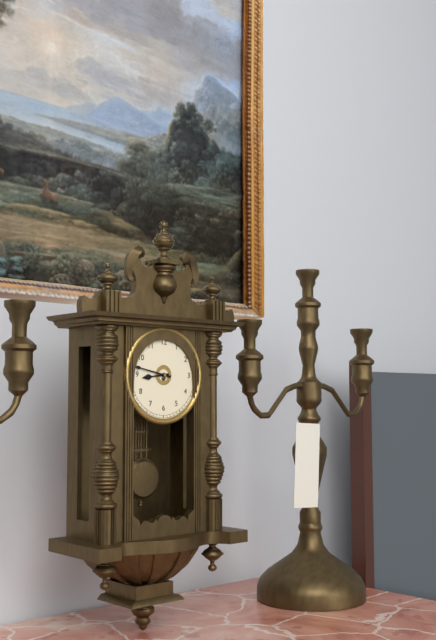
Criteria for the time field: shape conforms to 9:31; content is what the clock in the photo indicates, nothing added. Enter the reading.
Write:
8:47
